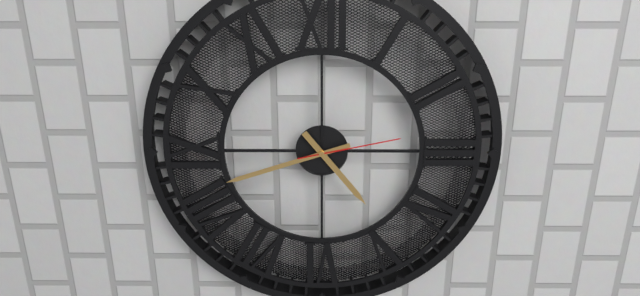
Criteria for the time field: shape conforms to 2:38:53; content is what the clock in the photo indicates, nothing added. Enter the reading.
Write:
4:42:13
